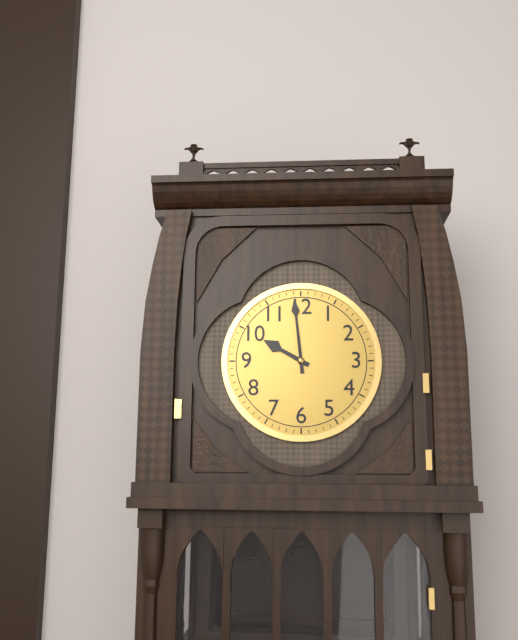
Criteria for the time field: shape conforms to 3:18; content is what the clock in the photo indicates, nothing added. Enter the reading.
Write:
9:59
